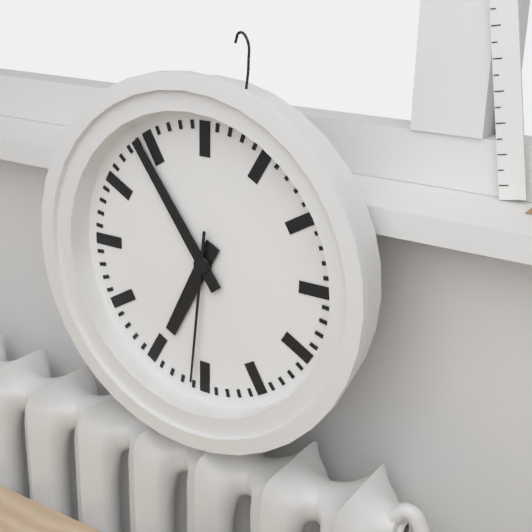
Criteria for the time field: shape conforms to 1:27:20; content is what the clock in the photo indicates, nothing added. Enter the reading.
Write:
6:54:31
